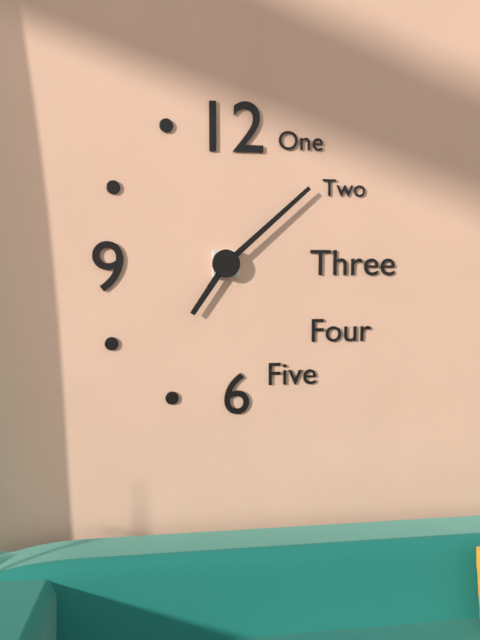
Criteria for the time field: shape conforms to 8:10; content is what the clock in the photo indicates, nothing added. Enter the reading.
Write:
7:08
